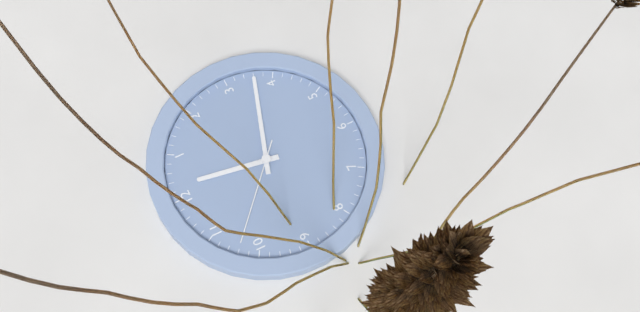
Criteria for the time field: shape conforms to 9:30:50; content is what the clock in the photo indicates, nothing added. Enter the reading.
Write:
12:18:52
